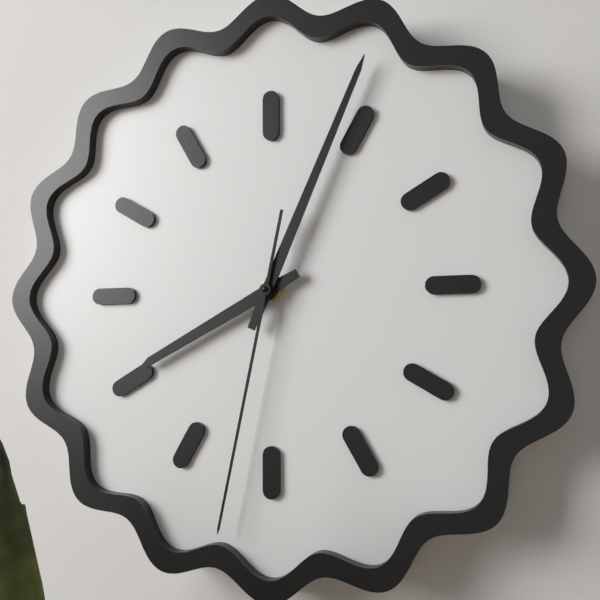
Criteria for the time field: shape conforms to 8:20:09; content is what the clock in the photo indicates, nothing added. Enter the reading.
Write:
8:04:32
